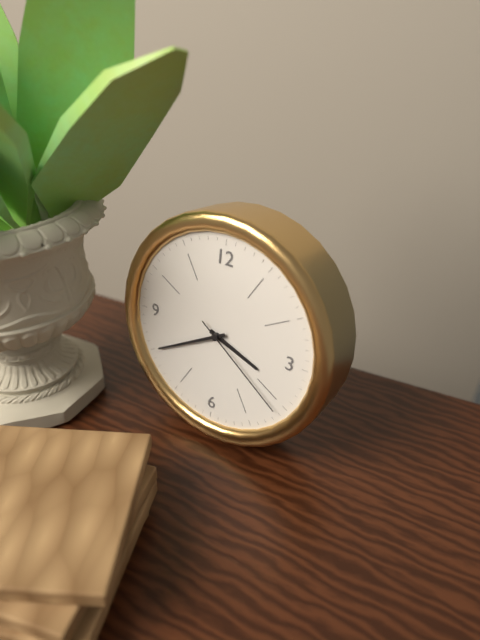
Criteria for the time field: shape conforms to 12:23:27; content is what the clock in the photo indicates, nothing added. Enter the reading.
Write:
3:40:21
